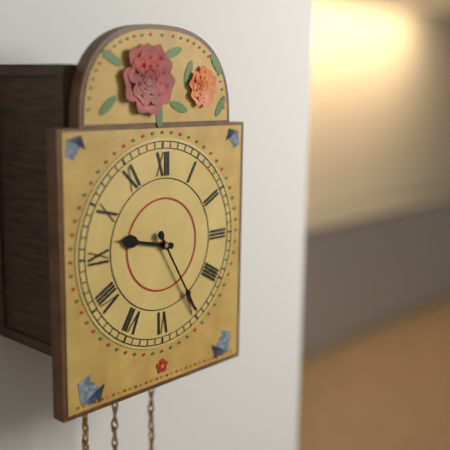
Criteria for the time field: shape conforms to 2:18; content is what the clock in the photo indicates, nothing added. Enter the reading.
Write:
9:25
